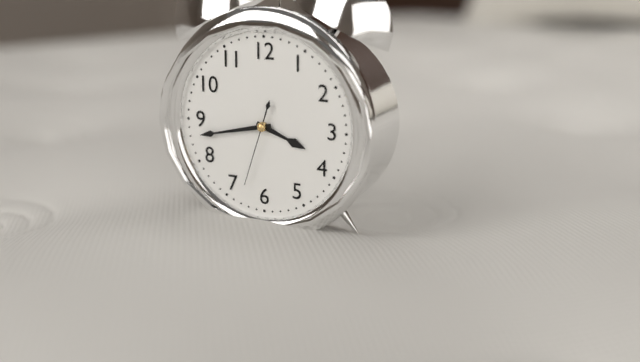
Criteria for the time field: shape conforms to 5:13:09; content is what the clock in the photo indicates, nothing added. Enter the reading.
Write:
3:43:33
